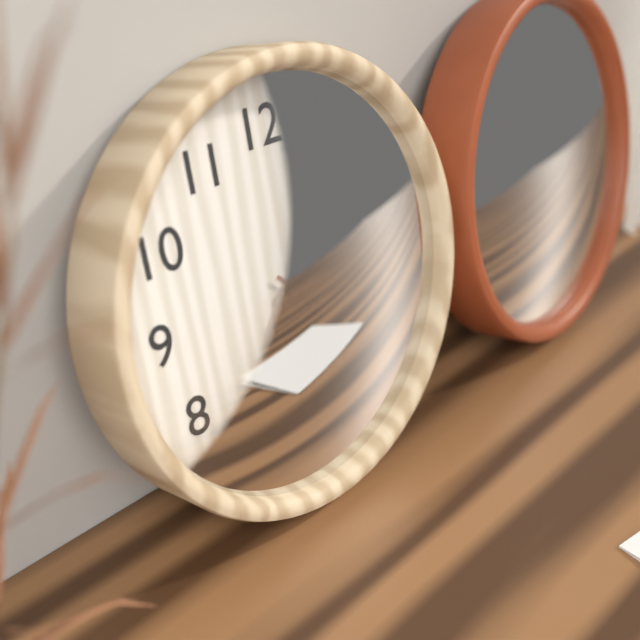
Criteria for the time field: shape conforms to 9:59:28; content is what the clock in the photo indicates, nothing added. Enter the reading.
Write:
5:22:36
